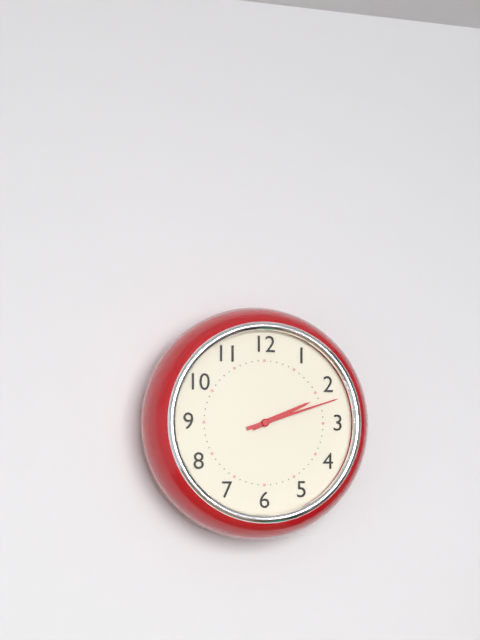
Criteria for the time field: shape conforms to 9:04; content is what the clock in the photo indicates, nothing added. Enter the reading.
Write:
2:12
